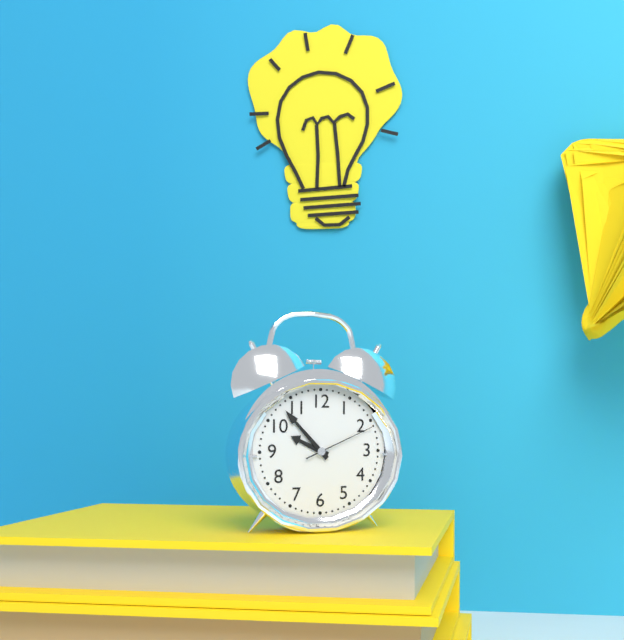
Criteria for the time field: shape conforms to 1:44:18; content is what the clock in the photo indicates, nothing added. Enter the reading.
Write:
9:53:11
